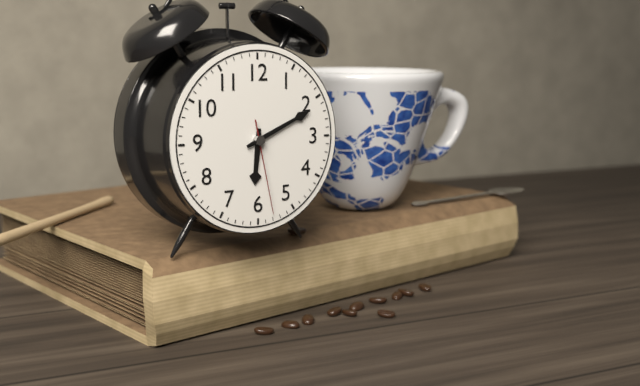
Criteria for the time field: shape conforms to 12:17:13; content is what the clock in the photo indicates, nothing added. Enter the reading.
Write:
6:11:28
